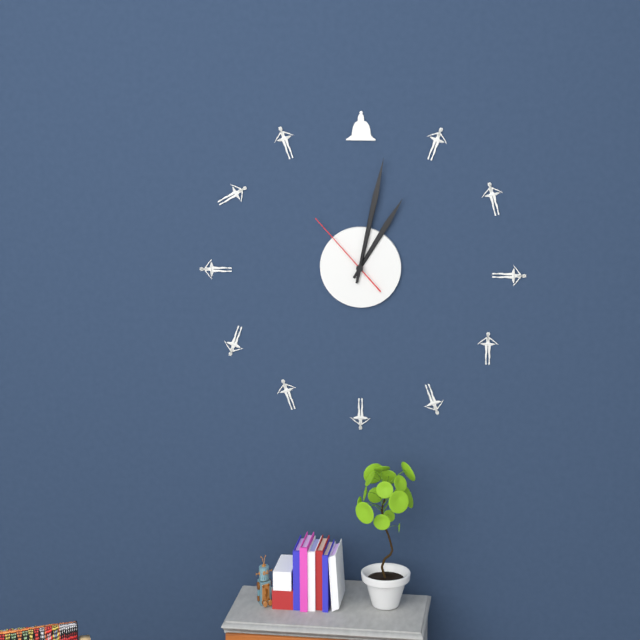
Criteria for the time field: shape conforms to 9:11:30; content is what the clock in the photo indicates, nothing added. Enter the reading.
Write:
1:02:53
